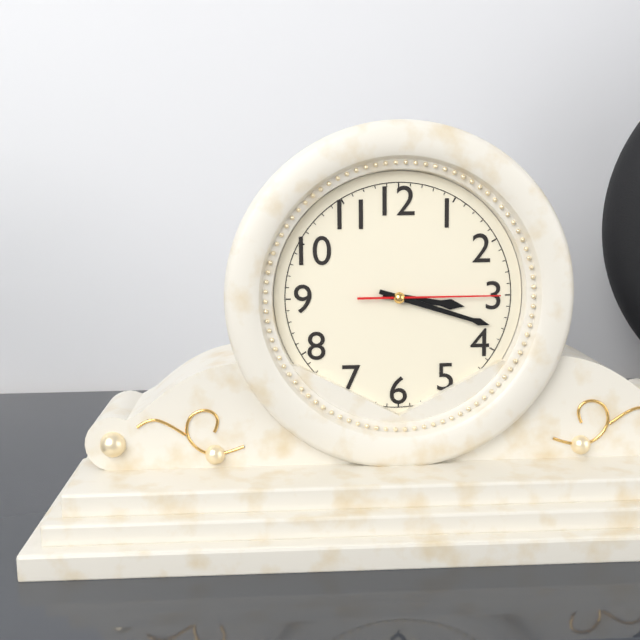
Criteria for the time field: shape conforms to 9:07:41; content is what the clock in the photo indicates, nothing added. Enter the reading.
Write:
3:18:15
